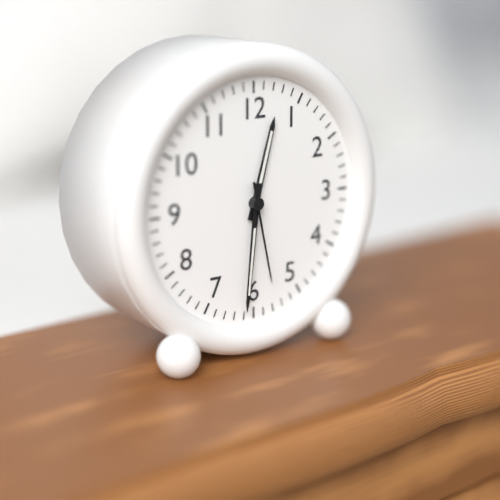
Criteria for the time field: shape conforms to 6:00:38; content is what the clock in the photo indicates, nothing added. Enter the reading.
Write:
12:31:28
